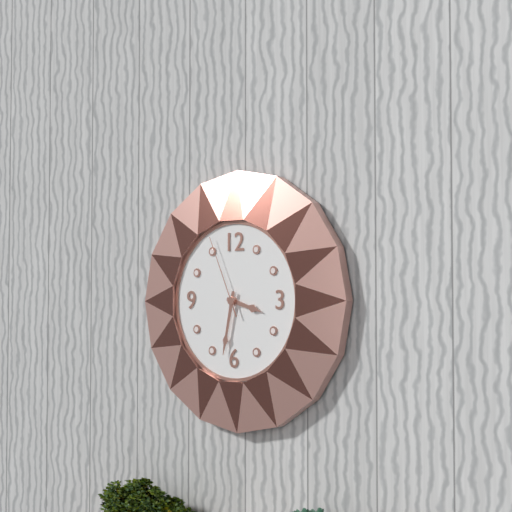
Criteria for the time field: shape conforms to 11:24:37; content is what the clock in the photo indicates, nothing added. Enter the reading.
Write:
3:32:56
